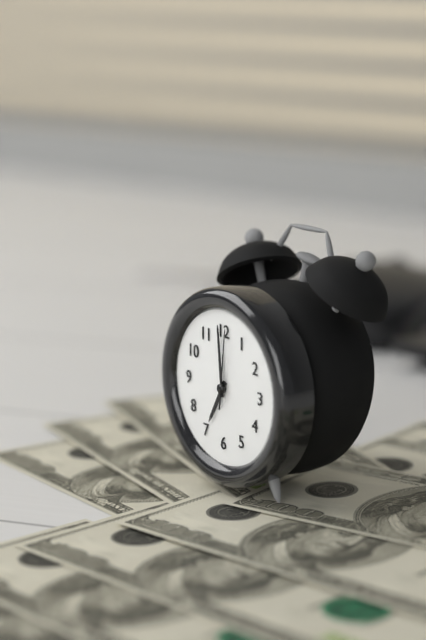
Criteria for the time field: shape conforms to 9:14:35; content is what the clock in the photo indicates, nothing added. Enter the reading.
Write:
6:59:01
